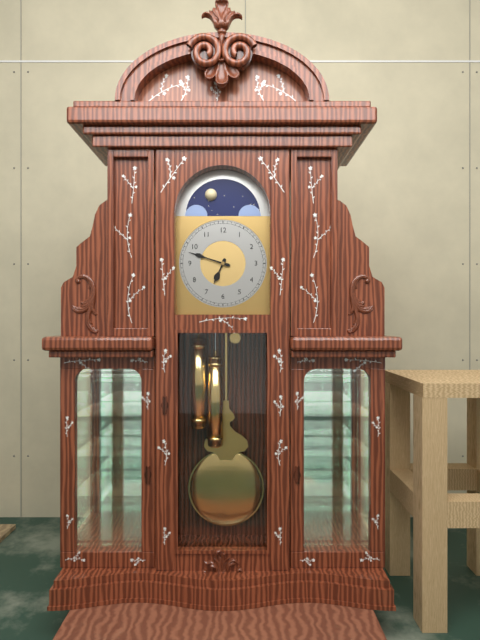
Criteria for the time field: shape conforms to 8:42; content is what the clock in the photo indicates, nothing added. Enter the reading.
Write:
6:48
